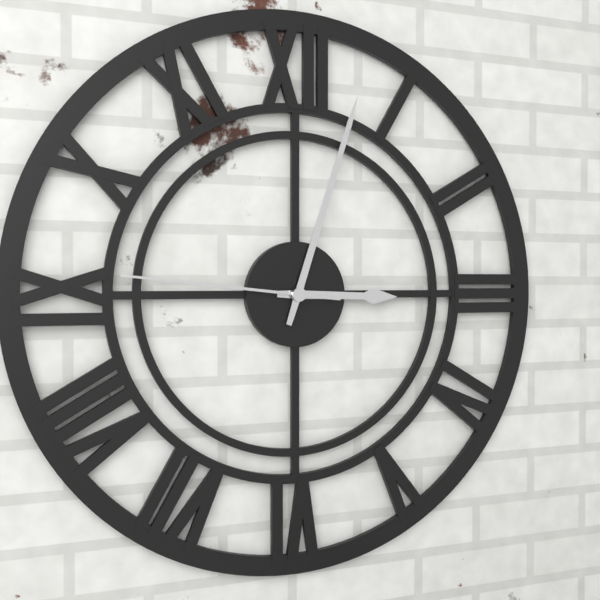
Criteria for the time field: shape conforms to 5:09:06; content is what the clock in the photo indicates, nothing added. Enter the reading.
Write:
3:03:46
